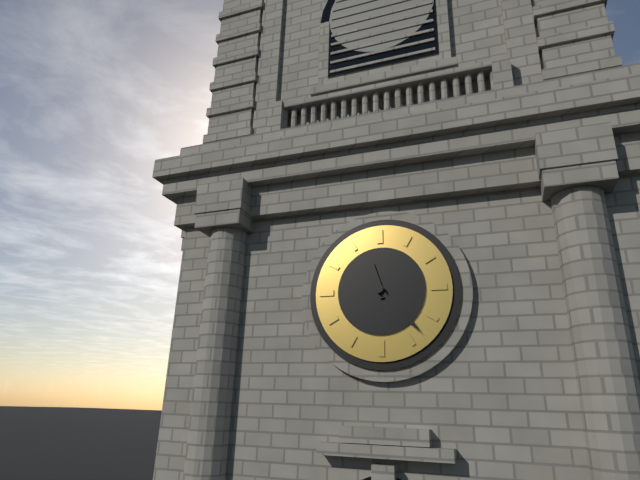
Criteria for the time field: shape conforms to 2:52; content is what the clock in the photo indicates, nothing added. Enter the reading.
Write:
11:23
